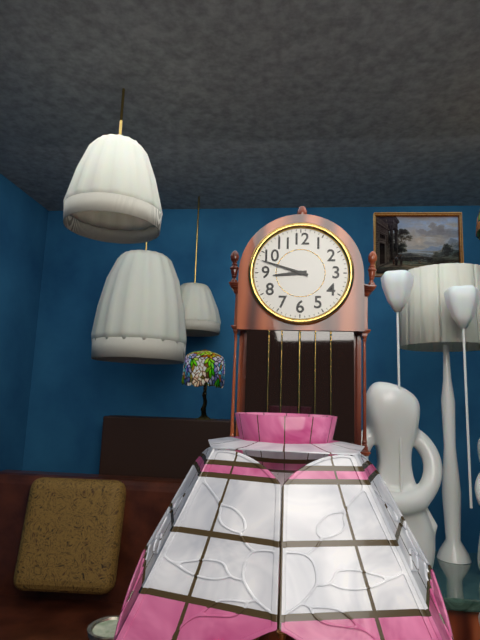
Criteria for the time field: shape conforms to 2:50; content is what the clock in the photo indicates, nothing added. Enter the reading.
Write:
8:48
